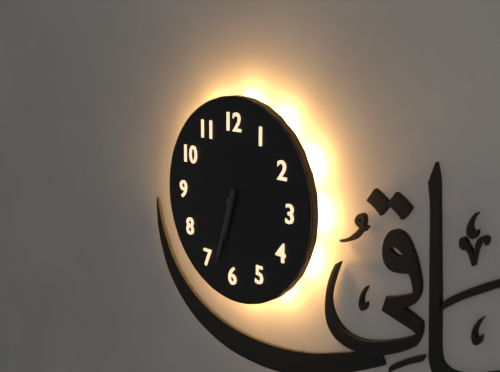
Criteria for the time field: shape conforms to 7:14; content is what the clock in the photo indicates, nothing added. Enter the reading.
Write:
6:33
